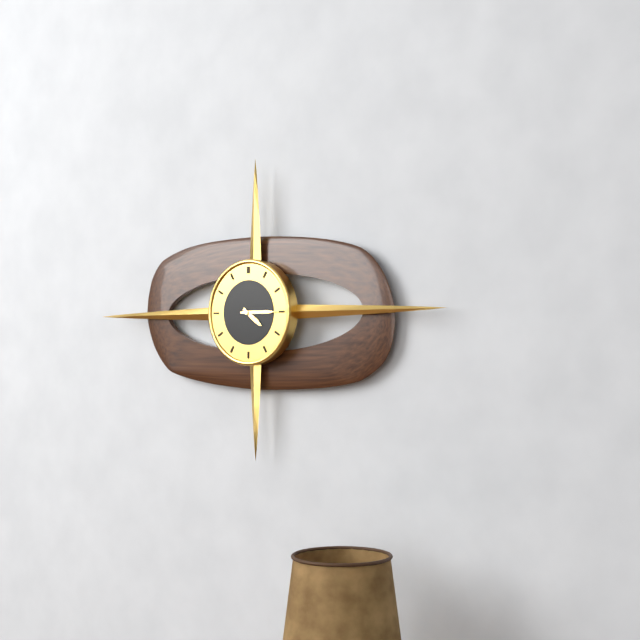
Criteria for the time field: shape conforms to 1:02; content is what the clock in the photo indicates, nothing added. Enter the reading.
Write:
4:15
